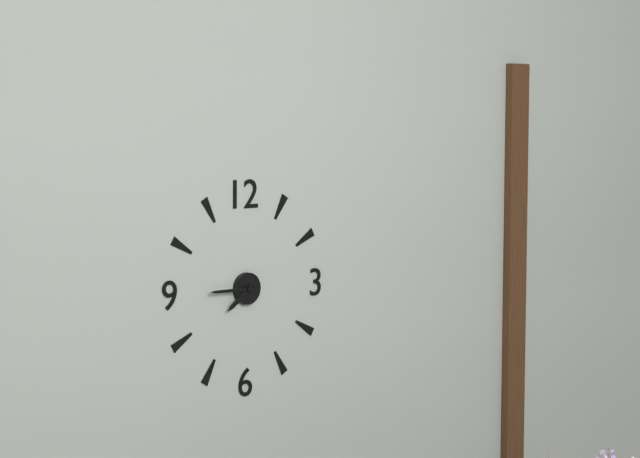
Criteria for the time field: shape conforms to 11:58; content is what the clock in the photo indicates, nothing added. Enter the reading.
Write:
7:45
